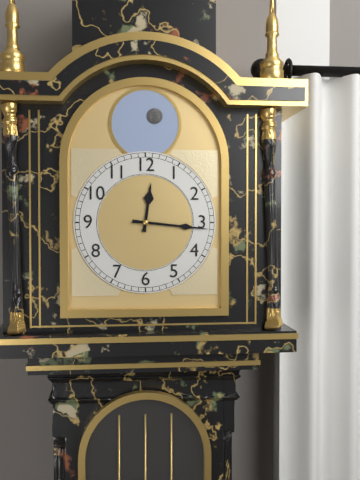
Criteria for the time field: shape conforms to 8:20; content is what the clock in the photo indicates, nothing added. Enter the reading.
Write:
12:16
